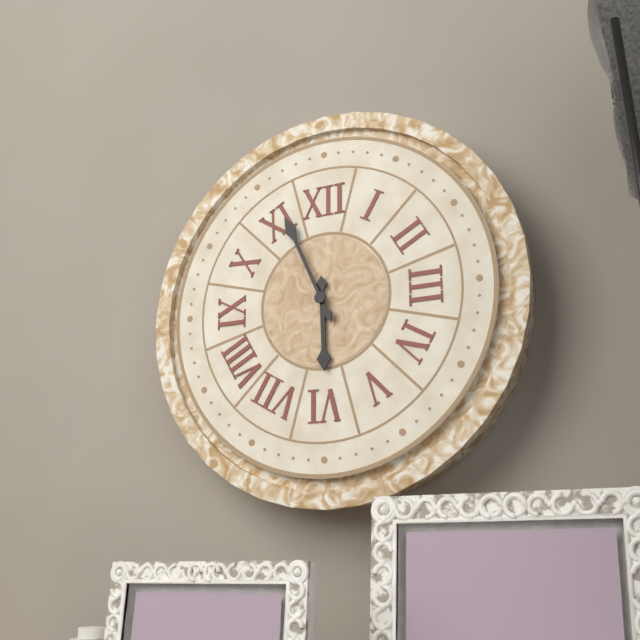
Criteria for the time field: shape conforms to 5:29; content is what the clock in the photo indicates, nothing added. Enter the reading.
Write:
5:56
